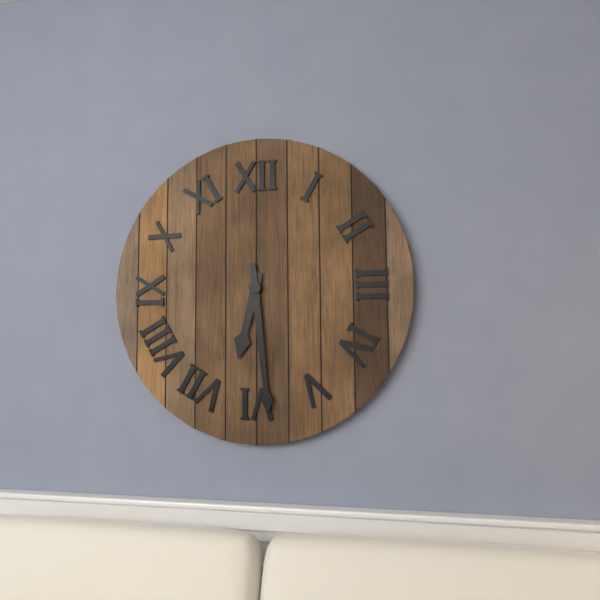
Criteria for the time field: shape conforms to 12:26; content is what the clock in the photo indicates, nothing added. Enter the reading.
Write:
6:29
